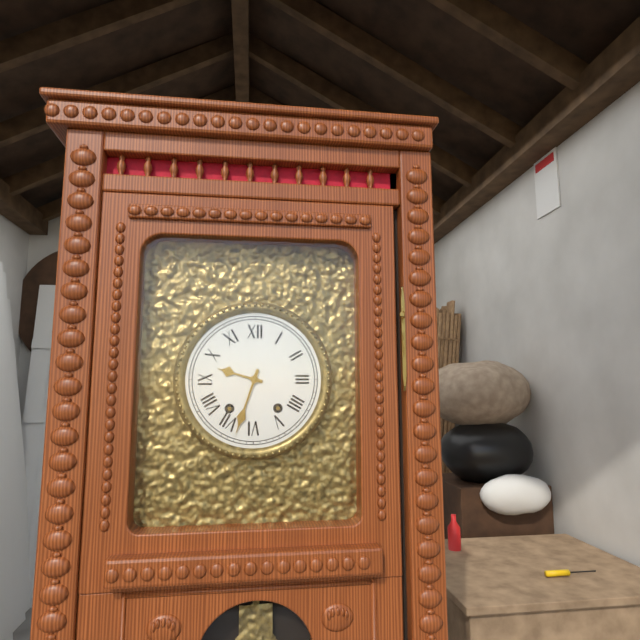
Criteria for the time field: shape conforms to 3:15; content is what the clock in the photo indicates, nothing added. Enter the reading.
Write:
9:33
